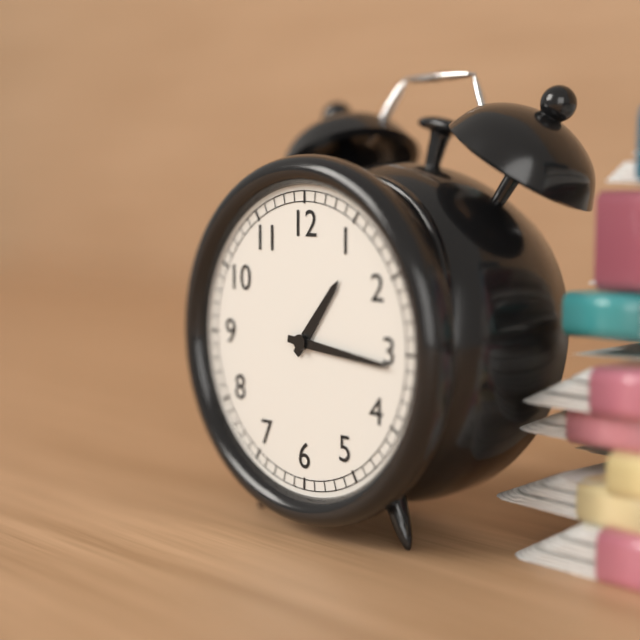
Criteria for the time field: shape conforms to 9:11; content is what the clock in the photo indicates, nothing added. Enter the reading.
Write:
1:16
